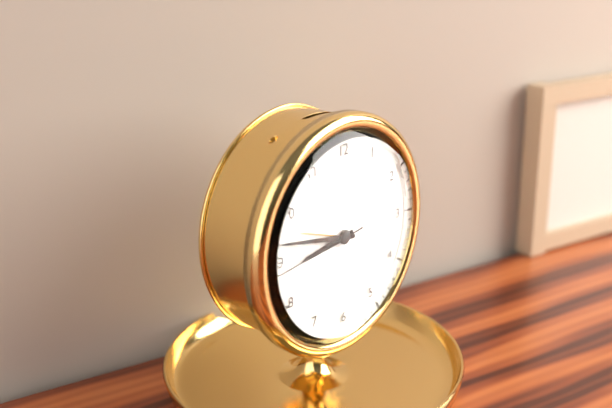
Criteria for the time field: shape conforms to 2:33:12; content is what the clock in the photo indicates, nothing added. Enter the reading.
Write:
8:47:44
